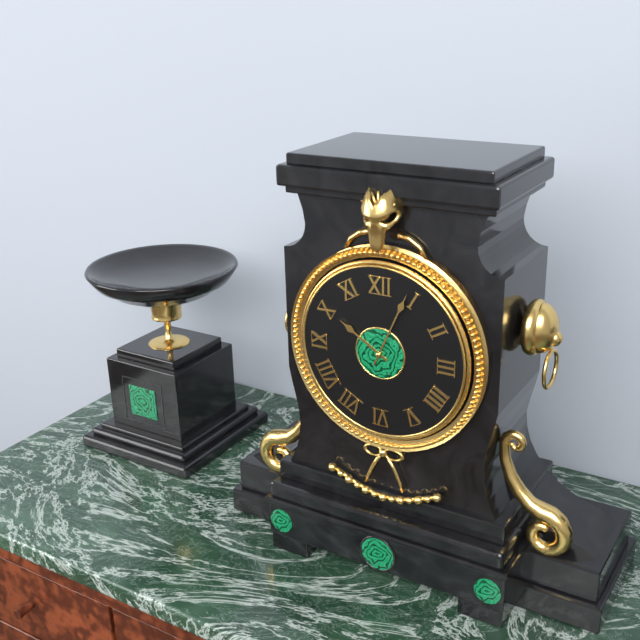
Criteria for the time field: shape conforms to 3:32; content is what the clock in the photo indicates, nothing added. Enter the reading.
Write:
10:04
